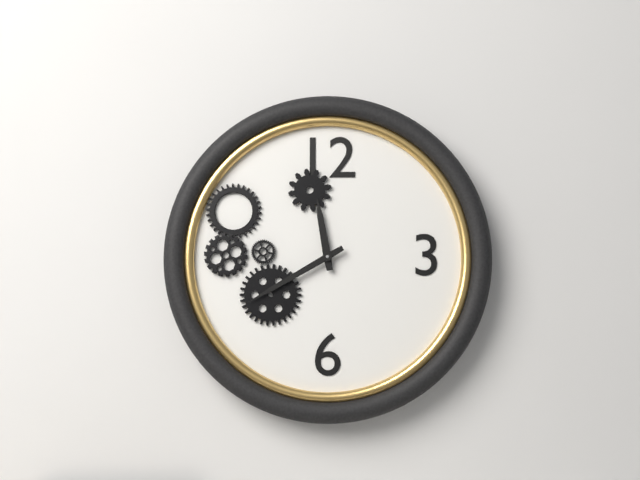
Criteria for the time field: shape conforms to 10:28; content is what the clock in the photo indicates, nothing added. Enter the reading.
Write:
11:40
